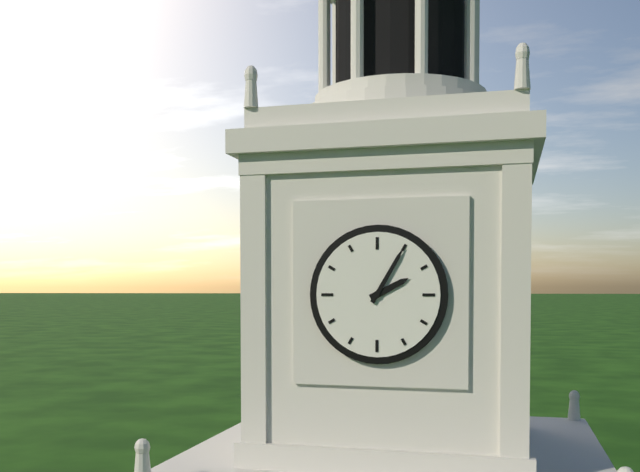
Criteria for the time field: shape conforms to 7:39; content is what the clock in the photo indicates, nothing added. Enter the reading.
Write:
2:05
